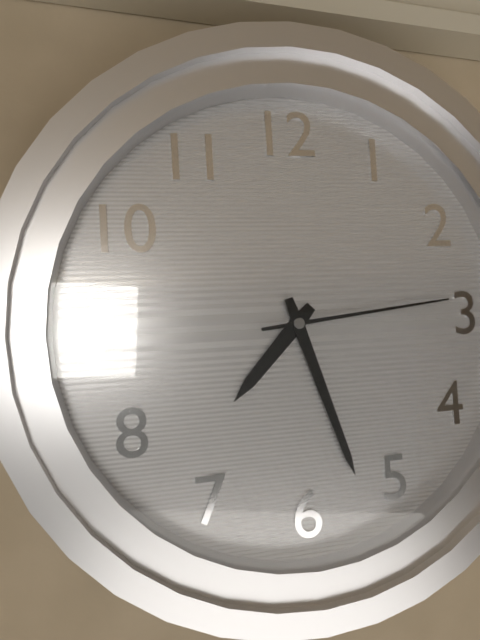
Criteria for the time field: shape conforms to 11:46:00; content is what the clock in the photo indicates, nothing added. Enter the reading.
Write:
7:27:14
